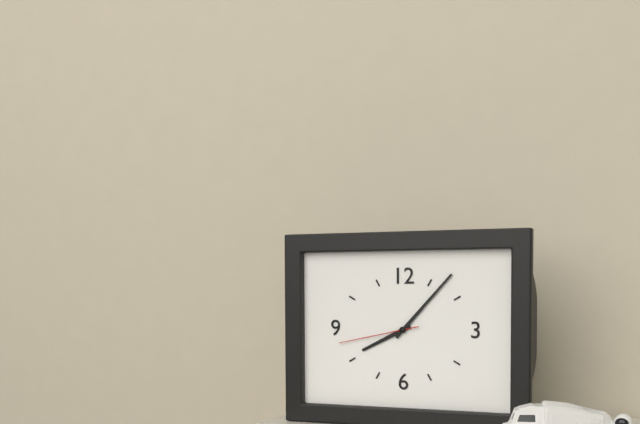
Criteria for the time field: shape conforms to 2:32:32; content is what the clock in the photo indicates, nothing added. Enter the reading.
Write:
8:07:43
